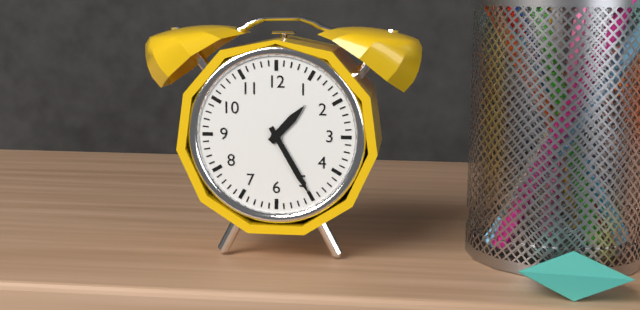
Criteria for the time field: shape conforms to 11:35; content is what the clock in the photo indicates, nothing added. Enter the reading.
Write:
1:25
